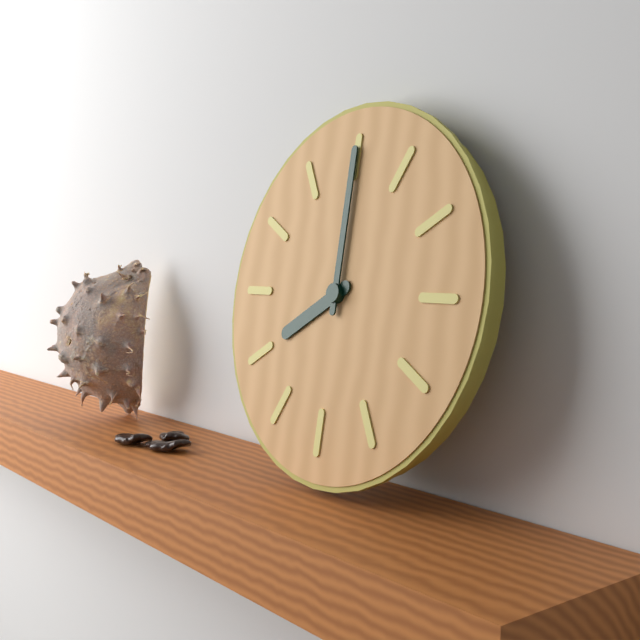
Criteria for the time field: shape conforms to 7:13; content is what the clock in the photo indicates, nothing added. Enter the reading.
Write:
8:00
